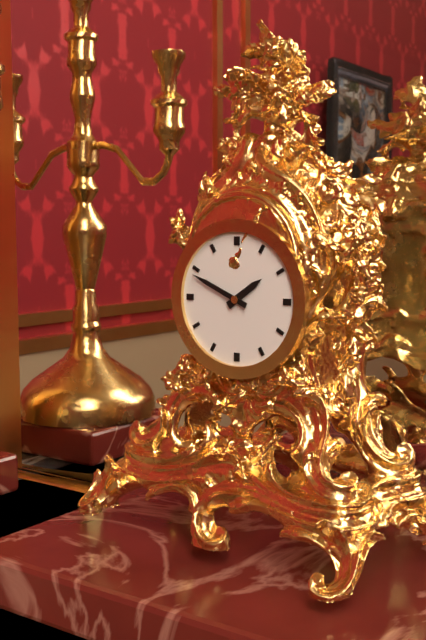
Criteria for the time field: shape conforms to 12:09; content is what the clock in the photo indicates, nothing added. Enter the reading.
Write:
1:49
